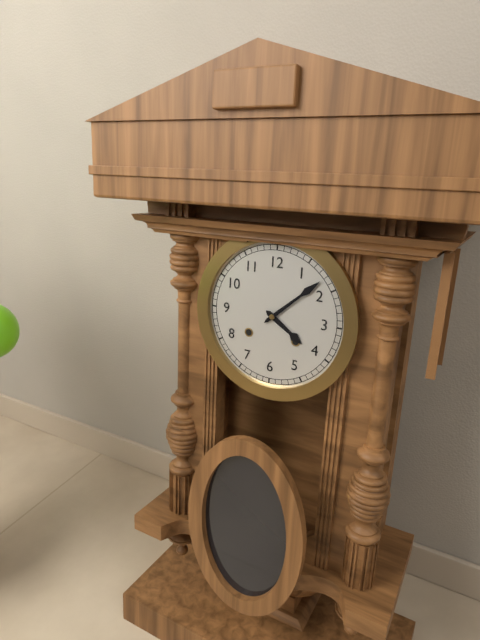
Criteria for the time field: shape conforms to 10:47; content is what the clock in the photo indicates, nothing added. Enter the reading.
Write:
4:08
